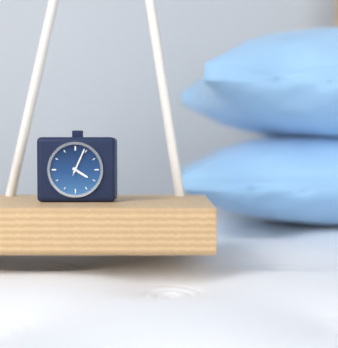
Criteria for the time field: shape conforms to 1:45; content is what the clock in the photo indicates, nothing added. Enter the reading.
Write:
4:04
